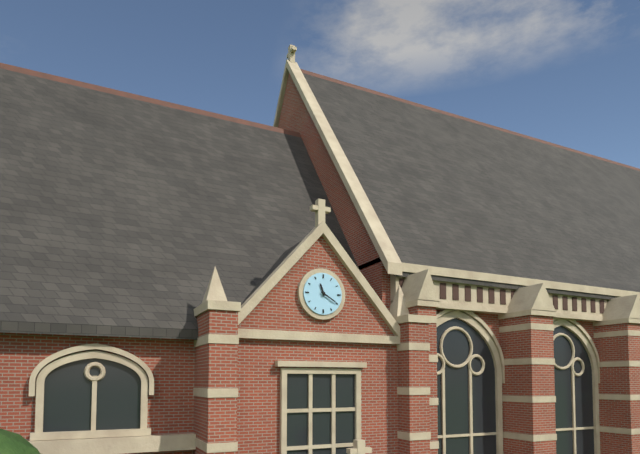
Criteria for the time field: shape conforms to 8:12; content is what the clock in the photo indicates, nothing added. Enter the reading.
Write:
11:20
